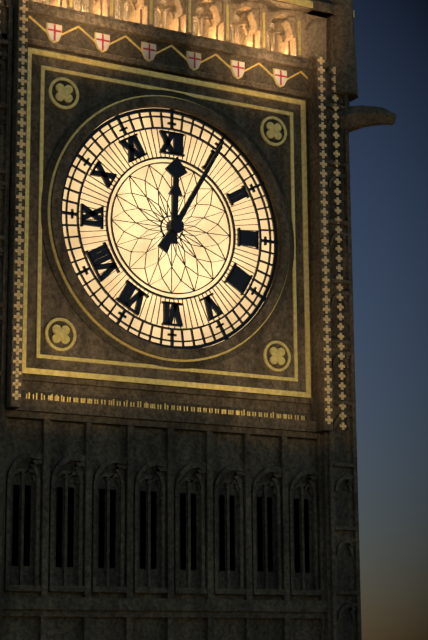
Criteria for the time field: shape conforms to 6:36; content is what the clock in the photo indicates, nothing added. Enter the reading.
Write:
12:05
